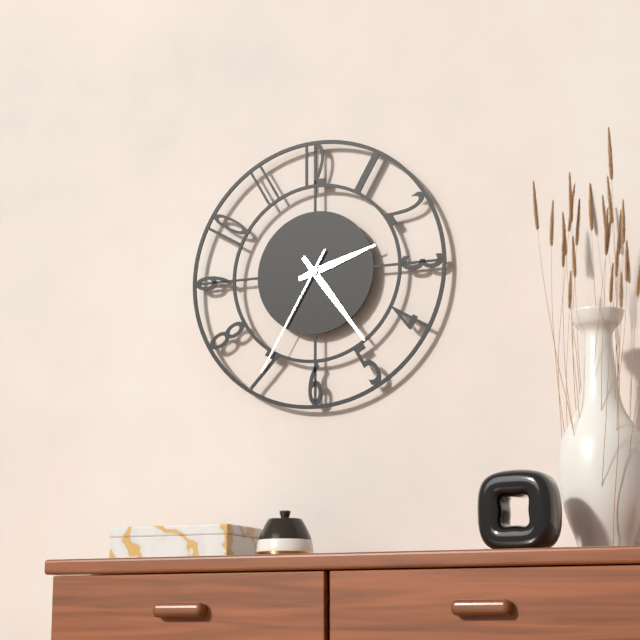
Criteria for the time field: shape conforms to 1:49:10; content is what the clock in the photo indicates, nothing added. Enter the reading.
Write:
2:24:35
